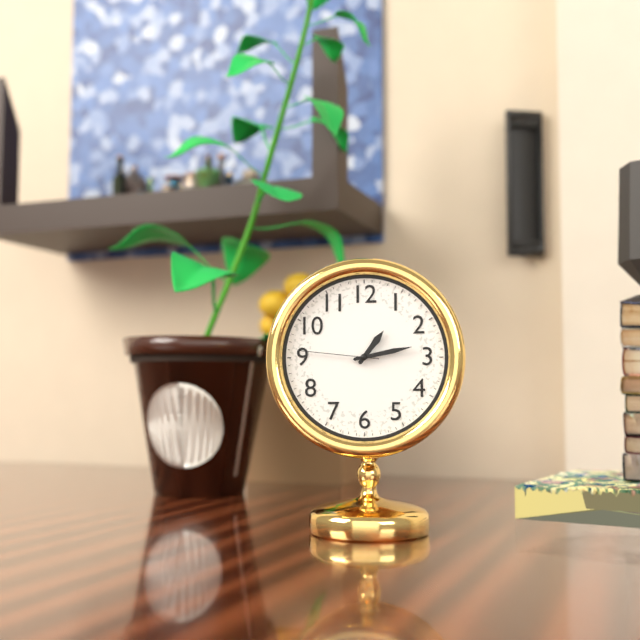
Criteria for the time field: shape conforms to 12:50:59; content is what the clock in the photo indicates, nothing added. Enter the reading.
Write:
1:13:46
